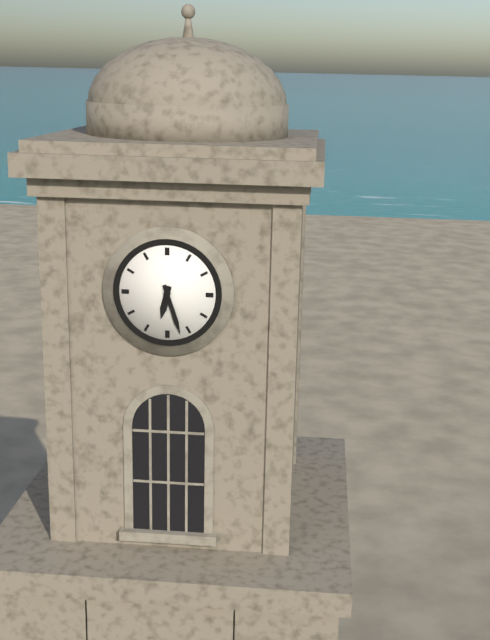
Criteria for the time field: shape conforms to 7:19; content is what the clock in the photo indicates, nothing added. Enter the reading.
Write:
6:27
